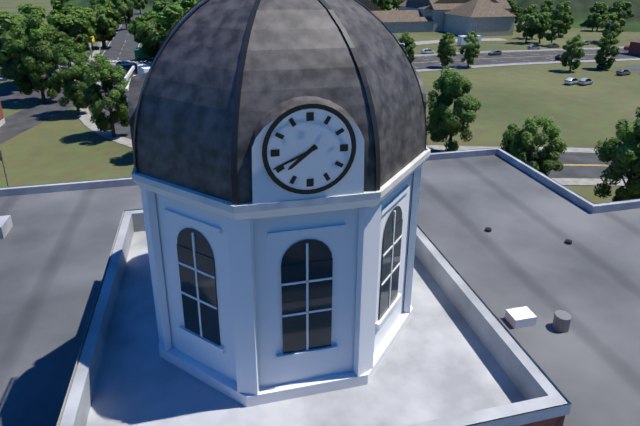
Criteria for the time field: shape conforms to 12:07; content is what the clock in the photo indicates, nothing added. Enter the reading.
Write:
7:41
